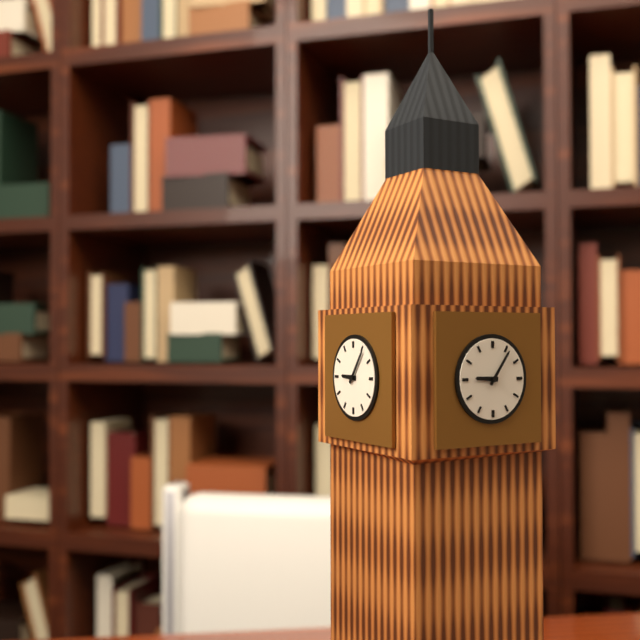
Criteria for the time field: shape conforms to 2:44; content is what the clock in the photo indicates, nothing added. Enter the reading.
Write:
9:06
